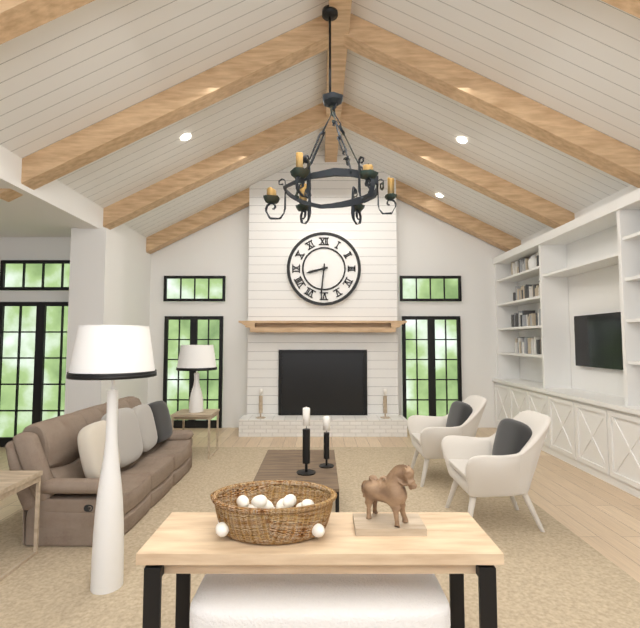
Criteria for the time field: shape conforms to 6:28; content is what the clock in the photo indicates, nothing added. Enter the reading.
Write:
8:31
